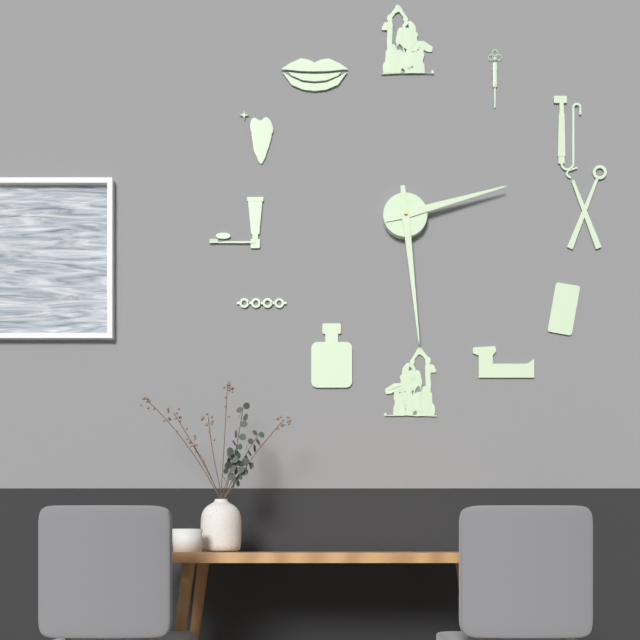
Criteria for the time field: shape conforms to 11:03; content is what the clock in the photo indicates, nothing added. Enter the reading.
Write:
2:29
